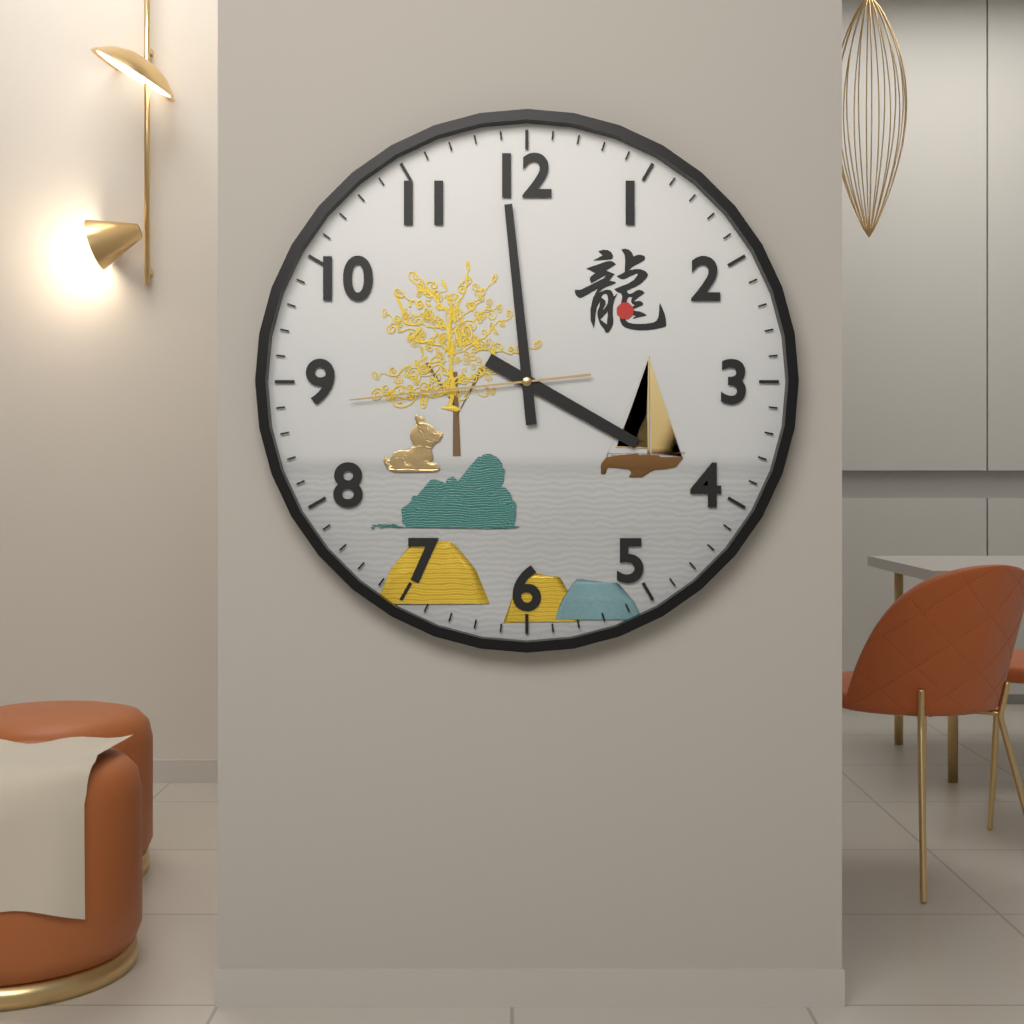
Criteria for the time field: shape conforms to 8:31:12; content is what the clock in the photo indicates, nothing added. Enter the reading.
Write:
3:59:44
